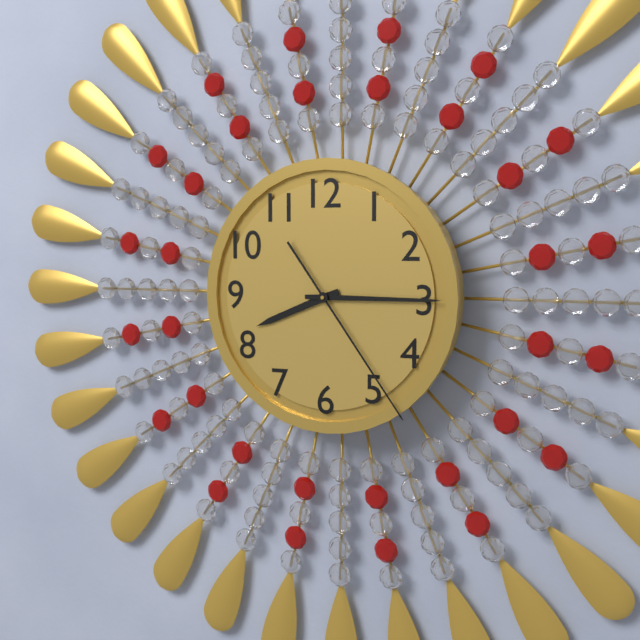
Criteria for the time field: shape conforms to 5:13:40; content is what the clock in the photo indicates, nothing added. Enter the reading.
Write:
8:15:24
